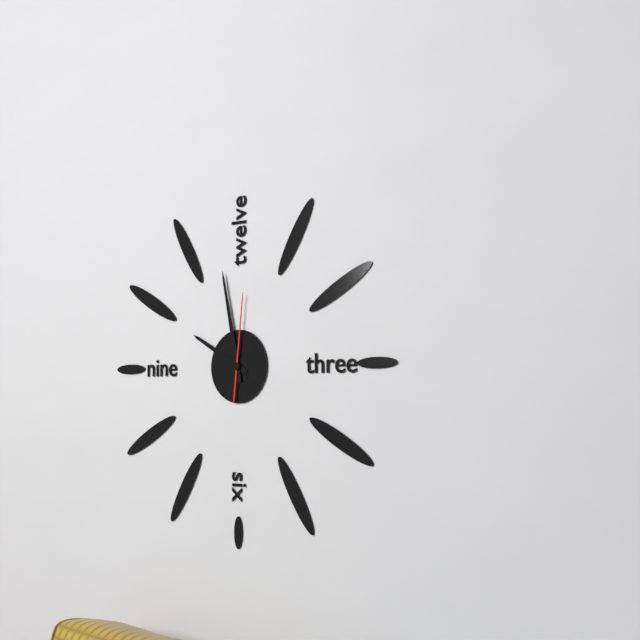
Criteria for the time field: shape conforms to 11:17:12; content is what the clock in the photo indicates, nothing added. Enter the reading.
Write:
9:58:01
